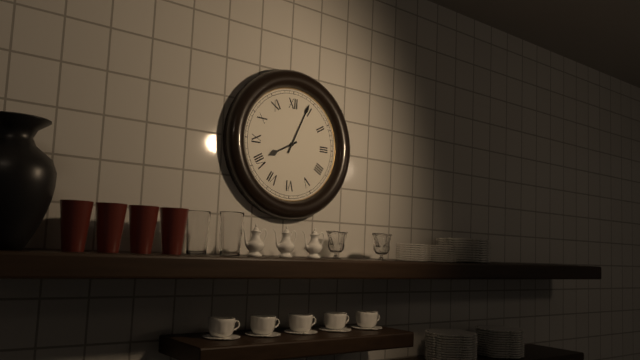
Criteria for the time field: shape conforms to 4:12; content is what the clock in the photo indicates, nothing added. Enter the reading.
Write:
8:04
